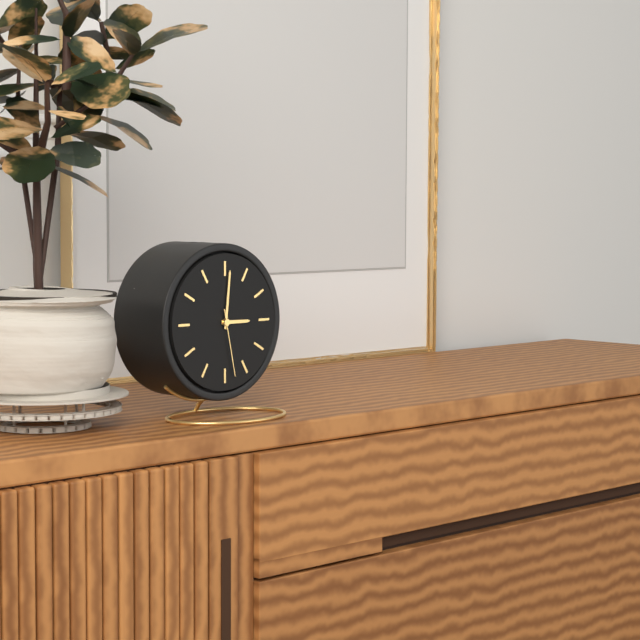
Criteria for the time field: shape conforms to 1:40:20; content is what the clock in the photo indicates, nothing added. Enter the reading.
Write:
3:01:28
